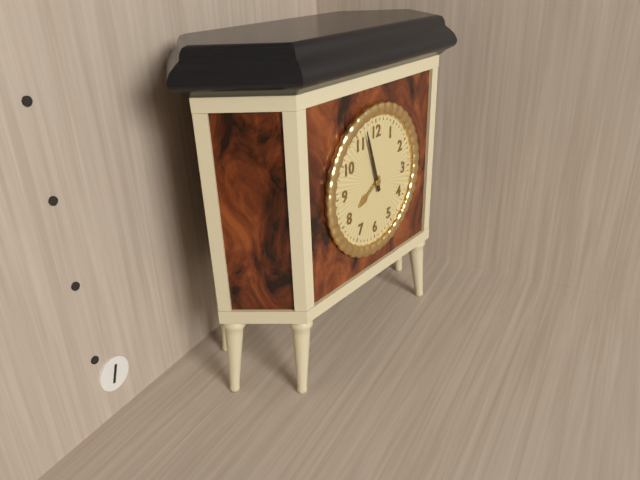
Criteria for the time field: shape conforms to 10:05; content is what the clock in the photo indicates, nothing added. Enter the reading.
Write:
7:57
